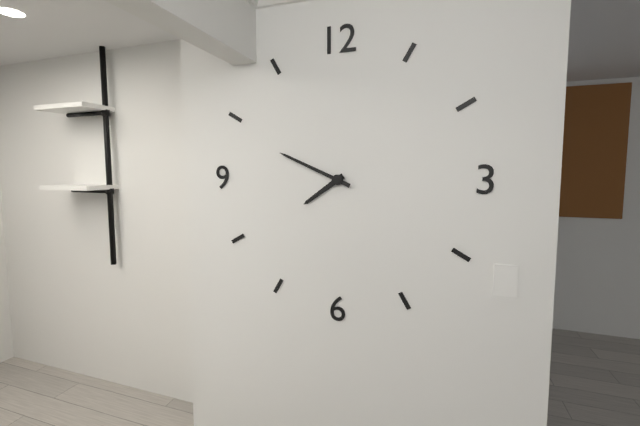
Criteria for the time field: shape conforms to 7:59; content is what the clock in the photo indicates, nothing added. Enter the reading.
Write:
7:49
